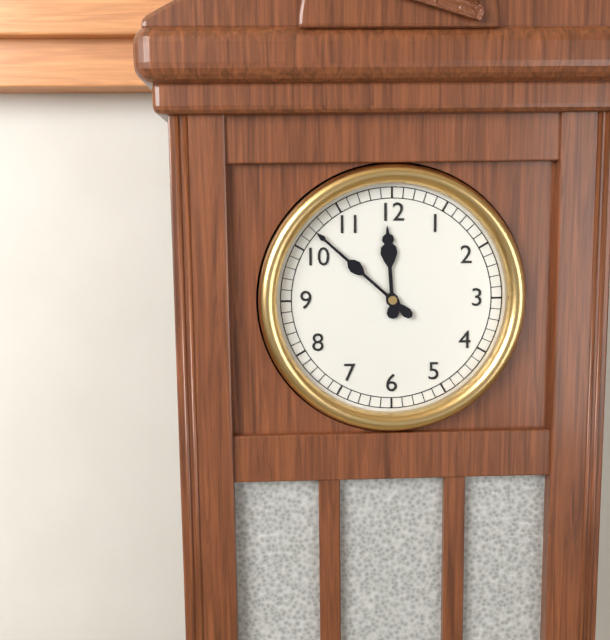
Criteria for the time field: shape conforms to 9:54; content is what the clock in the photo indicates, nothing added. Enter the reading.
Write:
11:52
